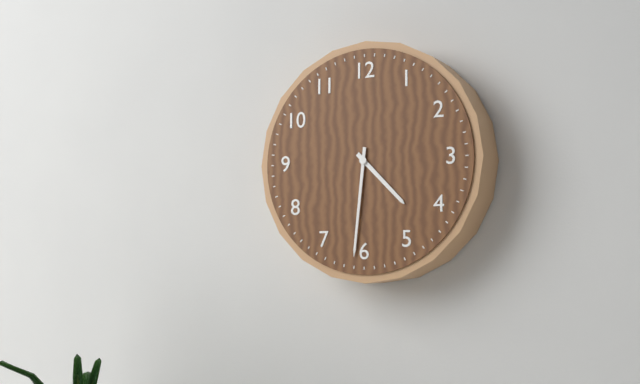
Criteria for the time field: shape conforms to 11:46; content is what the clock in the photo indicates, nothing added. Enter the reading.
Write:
4:31
